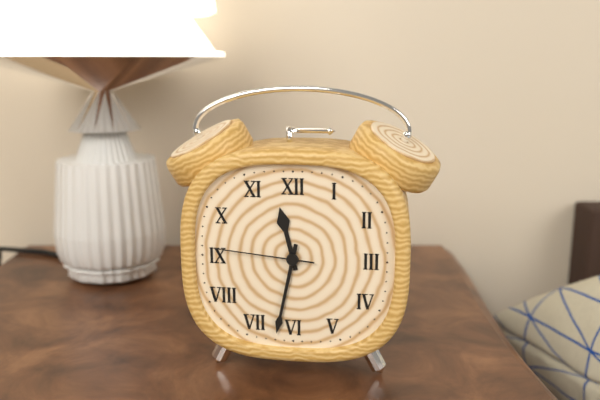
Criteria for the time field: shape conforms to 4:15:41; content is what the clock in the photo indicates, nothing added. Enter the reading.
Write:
11:32:46
